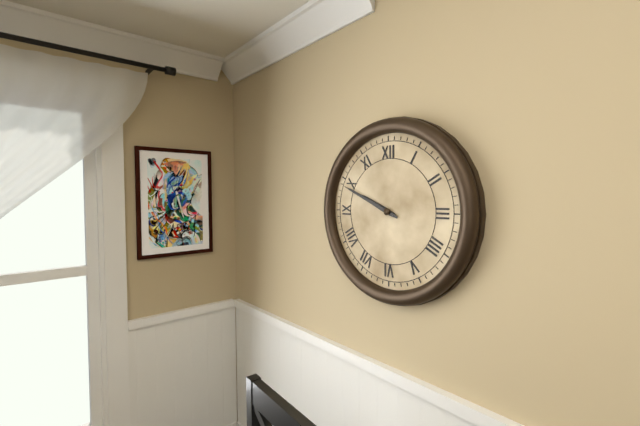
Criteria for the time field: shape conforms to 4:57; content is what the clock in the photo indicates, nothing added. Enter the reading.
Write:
9:49
